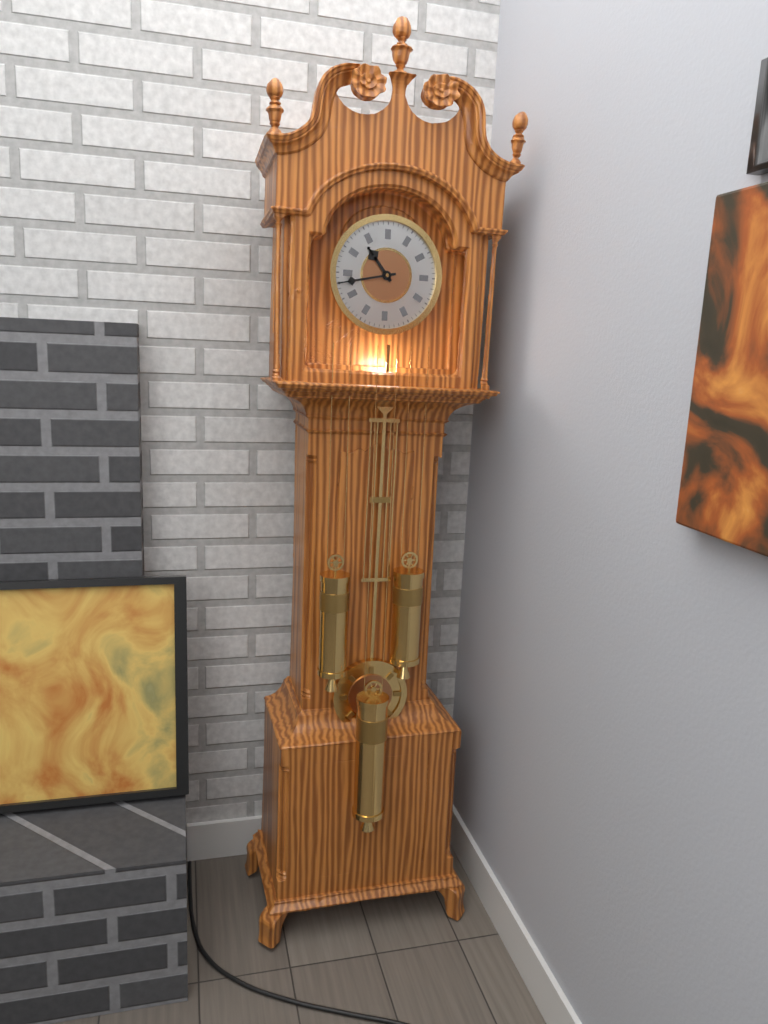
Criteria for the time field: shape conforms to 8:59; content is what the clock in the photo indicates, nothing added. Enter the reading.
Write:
10:43
